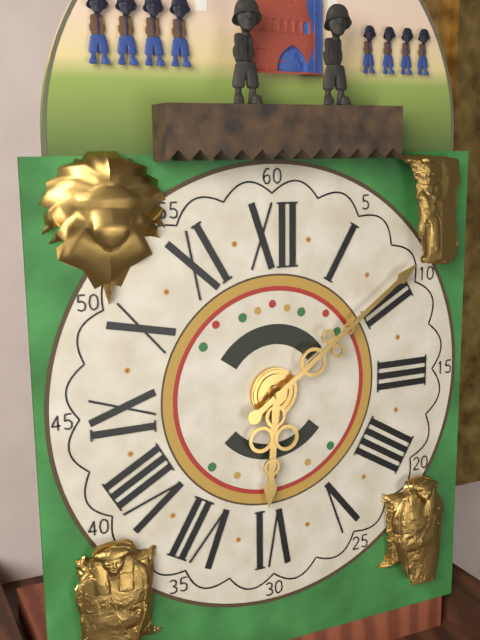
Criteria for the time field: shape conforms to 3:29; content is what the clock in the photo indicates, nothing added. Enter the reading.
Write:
6:09
